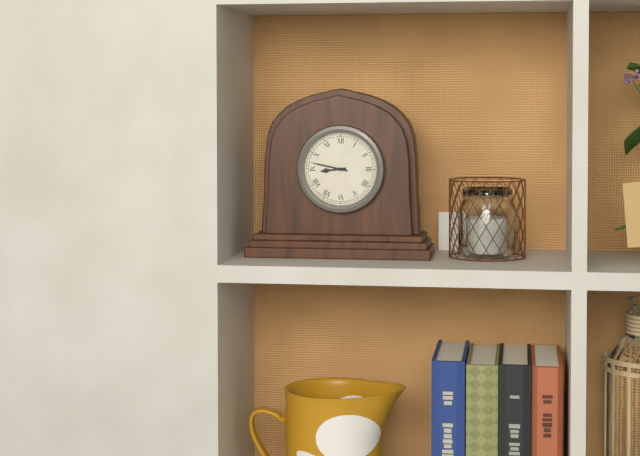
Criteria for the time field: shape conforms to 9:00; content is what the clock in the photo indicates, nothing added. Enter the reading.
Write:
8:47
